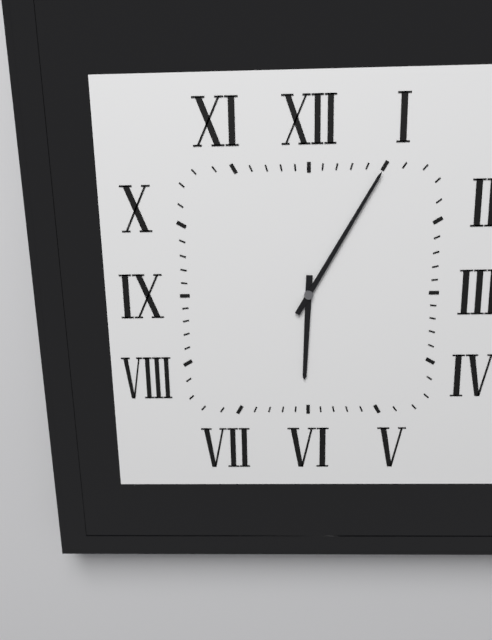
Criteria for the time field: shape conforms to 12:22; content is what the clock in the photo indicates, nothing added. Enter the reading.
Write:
6:05
